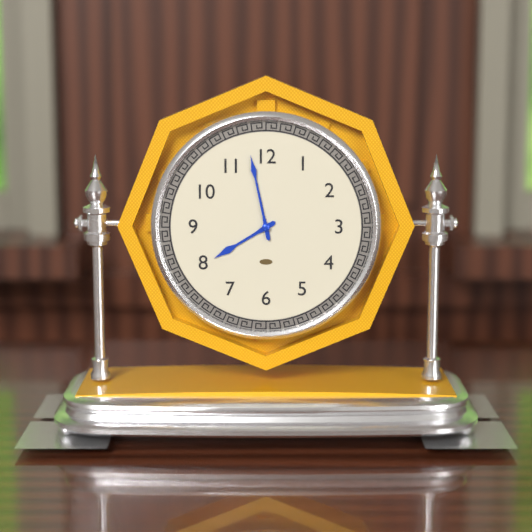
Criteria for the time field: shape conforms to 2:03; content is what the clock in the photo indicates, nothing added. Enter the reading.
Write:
7:58
